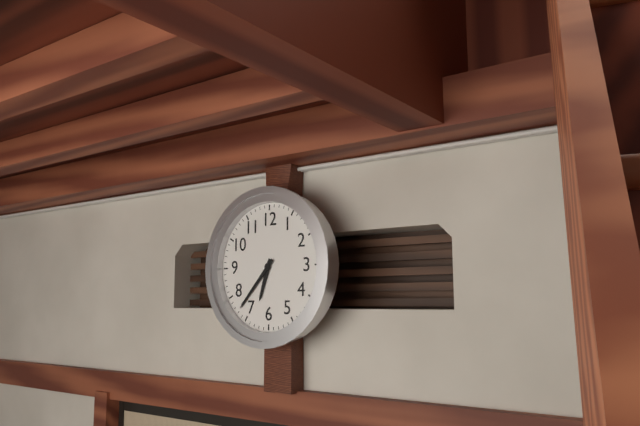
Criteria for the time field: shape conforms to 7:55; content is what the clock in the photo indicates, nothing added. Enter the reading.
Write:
6:37
